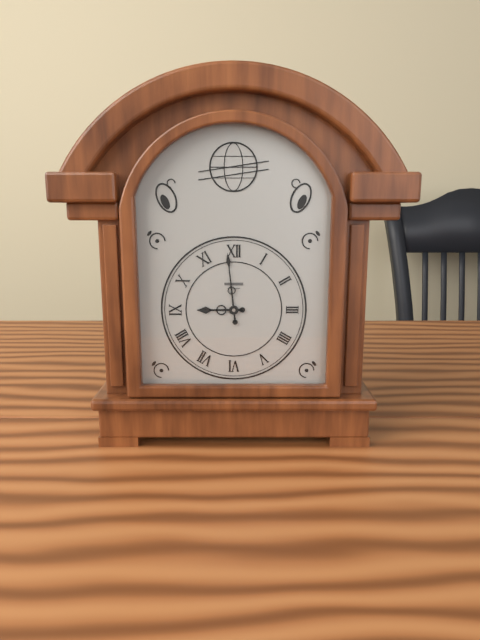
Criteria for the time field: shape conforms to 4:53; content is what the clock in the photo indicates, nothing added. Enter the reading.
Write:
8:59
